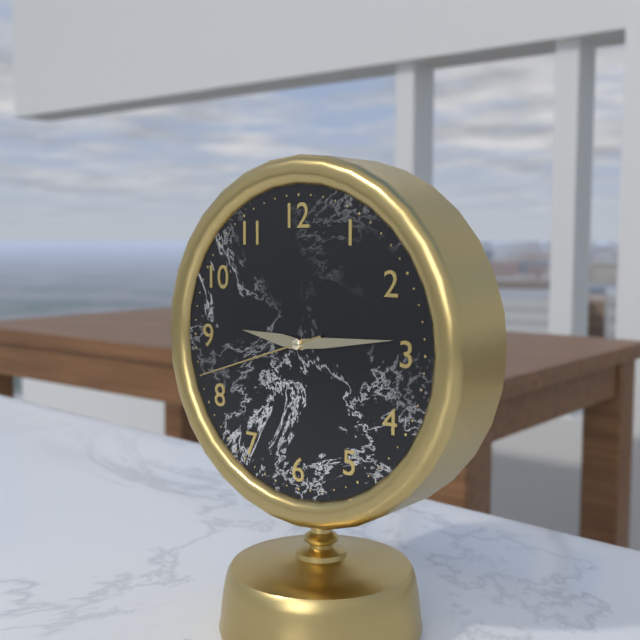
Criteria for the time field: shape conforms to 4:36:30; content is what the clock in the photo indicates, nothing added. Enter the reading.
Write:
9:14:42
